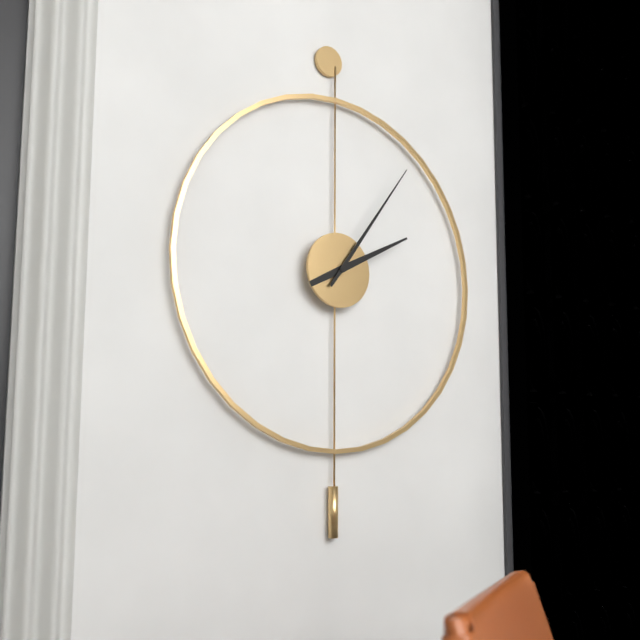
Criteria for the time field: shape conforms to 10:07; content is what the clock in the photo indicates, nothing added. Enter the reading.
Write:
2:06
